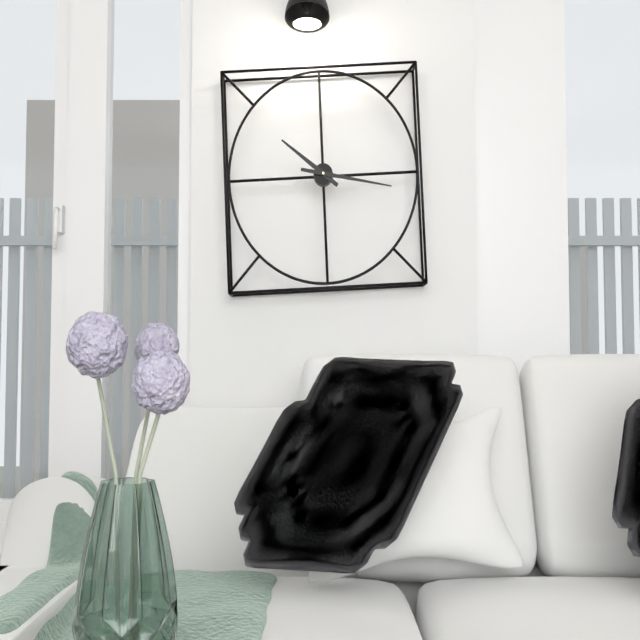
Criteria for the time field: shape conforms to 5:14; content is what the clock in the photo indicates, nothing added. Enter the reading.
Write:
10:17
